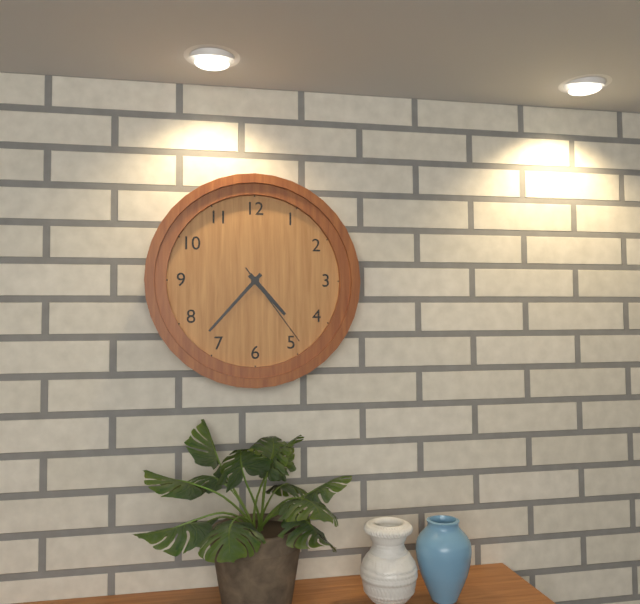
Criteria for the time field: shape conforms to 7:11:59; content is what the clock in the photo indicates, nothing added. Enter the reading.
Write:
4:37:24
